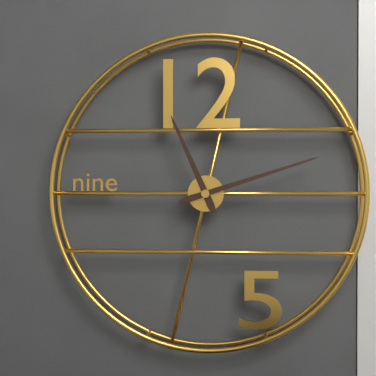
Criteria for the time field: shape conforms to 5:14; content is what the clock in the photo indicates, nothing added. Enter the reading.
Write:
11:12
